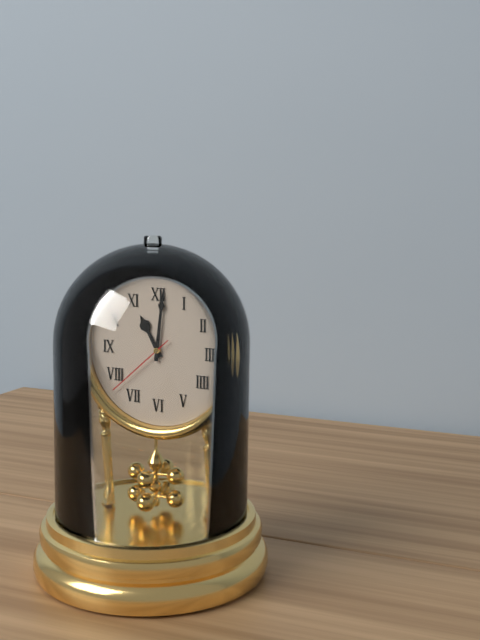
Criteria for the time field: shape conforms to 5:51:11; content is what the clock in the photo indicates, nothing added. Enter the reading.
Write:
11:01:38
